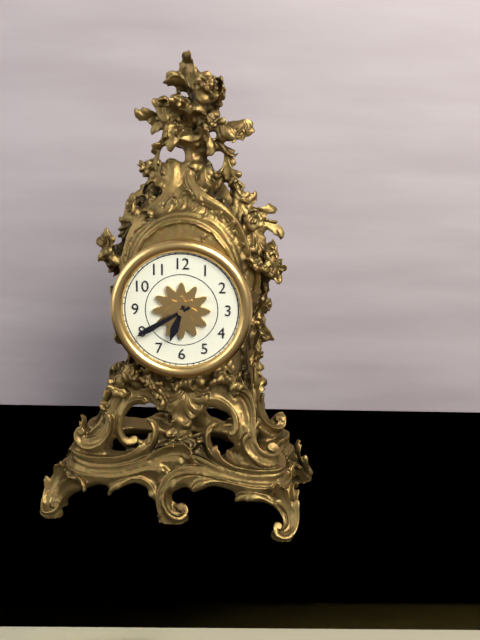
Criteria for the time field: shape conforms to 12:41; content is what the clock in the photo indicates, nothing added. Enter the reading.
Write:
6:40
